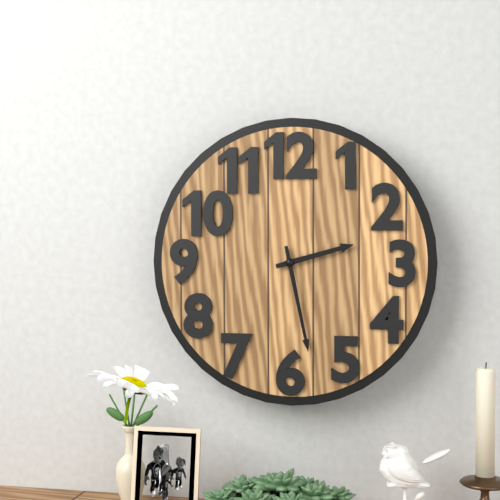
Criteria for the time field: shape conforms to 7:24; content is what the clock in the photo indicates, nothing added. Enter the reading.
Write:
2:28
